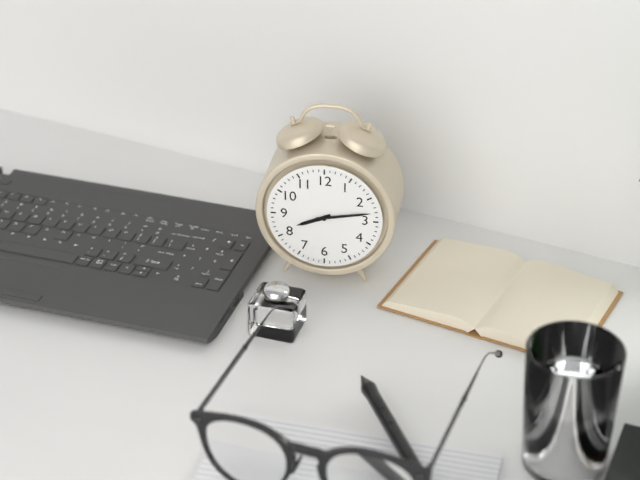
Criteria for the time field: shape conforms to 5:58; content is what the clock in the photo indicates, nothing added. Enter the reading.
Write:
8:13
